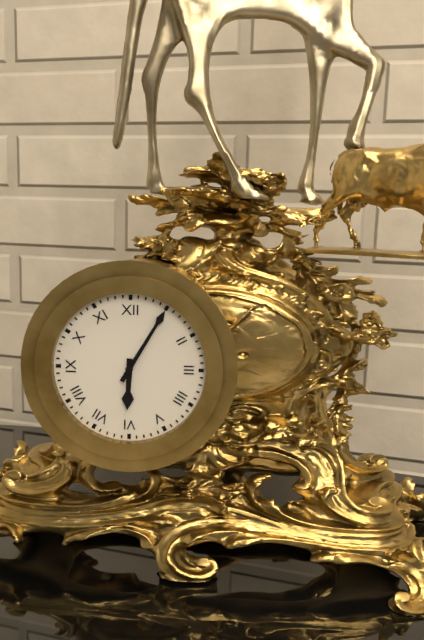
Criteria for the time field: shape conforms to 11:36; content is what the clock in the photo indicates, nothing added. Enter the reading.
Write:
6:05
